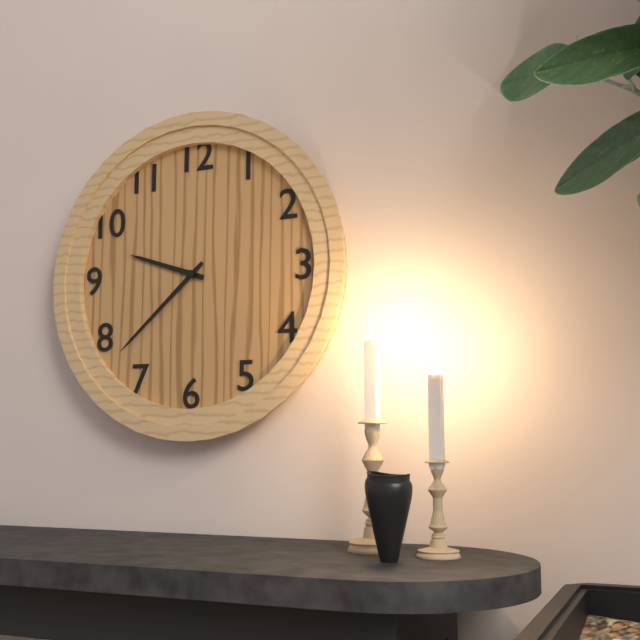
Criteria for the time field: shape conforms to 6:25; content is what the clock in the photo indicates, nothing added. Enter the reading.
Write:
9:38
